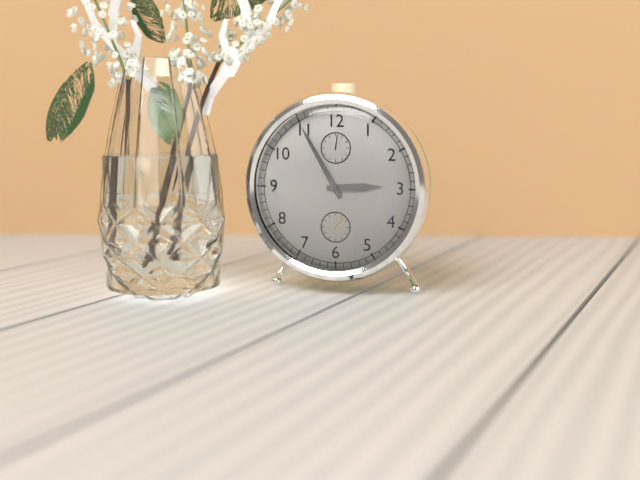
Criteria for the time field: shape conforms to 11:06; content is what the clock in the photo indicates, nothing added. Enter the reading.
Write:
2:55
